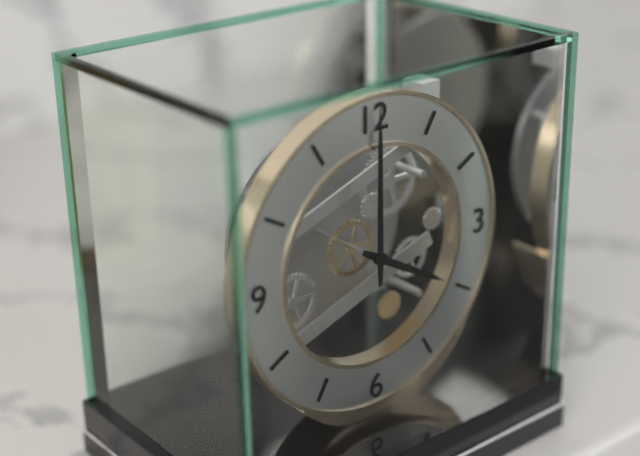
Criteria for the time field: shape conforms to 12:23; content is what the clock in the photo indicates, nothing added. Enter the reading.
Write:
4:00
